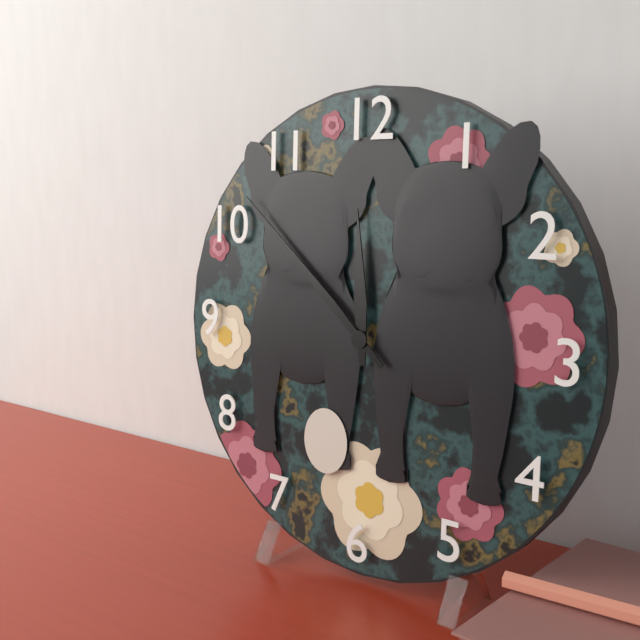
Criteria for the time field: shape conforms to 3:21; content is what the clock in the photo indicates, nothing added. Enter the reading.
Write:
11:52
